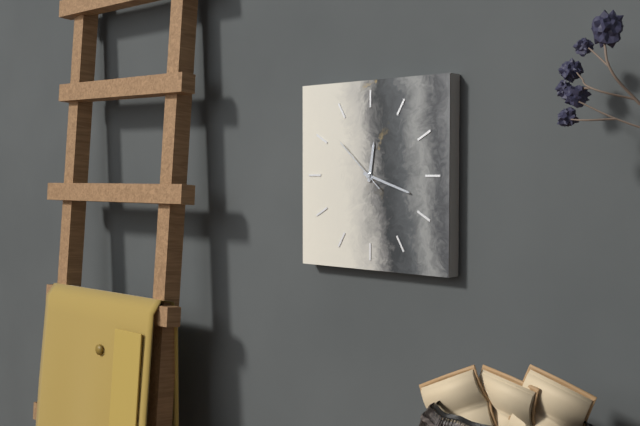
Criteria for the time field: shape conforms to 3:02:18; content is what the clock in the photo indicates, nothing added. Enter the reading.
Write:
12:18:52
